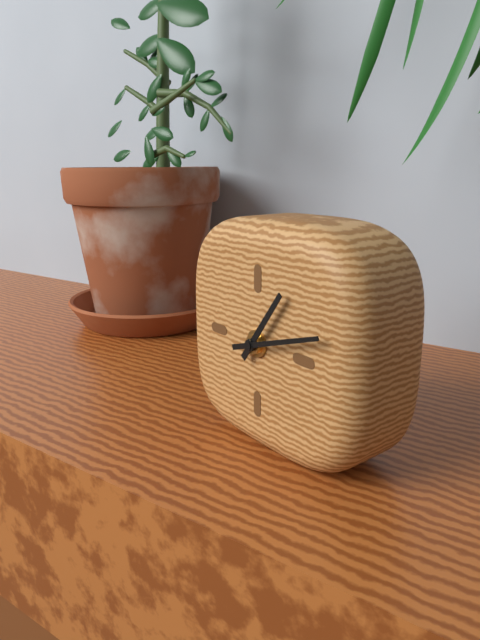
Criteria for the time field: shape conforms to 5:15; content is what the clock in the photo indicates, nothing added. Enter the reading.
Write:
1:12
